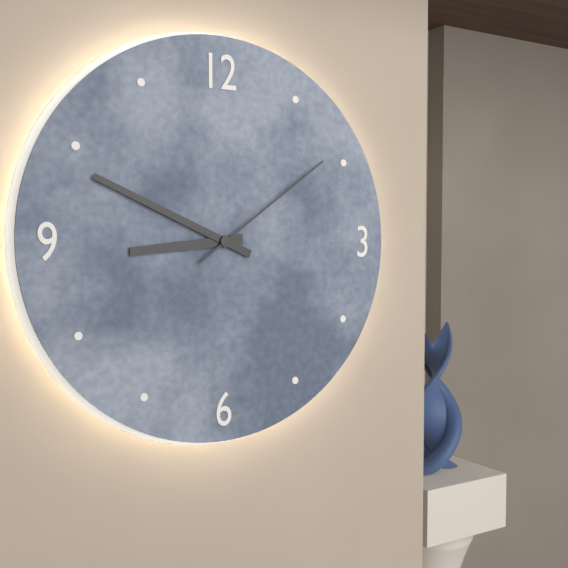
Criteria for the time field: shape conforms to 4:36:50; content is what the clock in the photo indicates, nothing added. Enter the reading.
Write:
8:49:09
